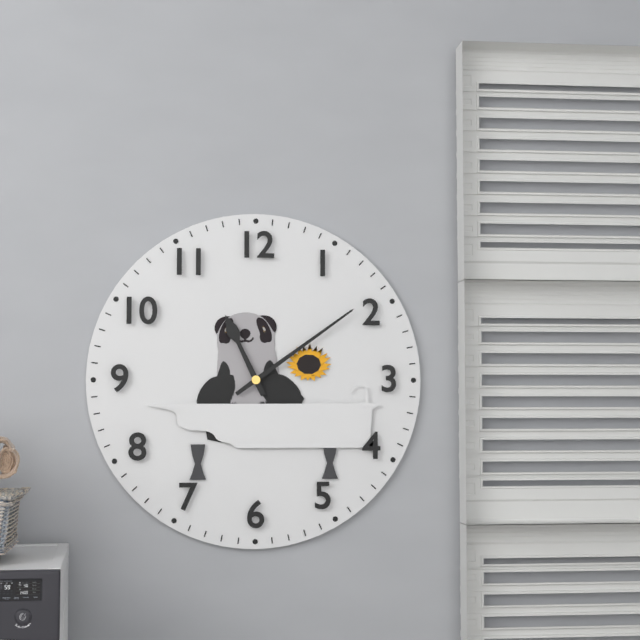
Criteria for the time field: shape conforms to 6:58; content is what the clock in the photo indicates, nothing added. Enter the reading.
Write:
11:09
